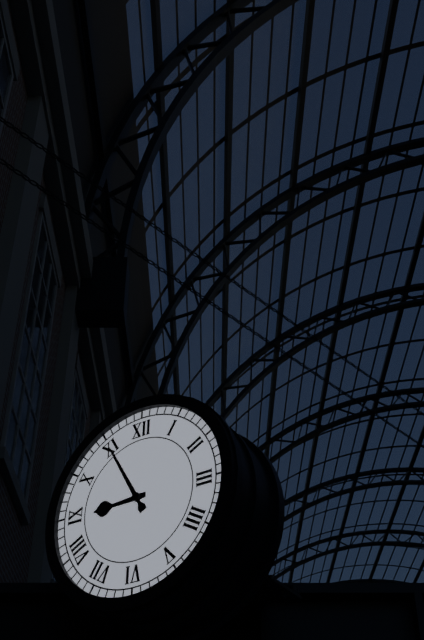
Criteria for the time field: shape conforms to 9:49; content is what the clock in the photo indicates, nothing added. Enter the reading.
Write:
8:55
